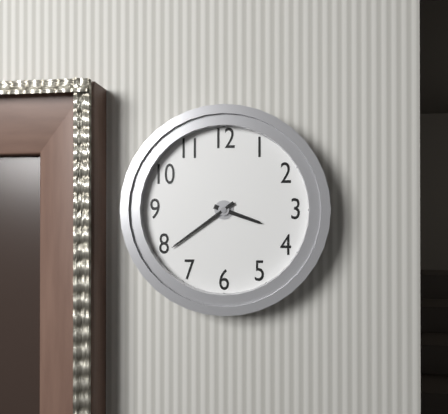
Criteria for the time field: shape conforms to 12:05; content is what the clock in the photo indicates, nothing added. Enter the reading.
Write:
3:39
